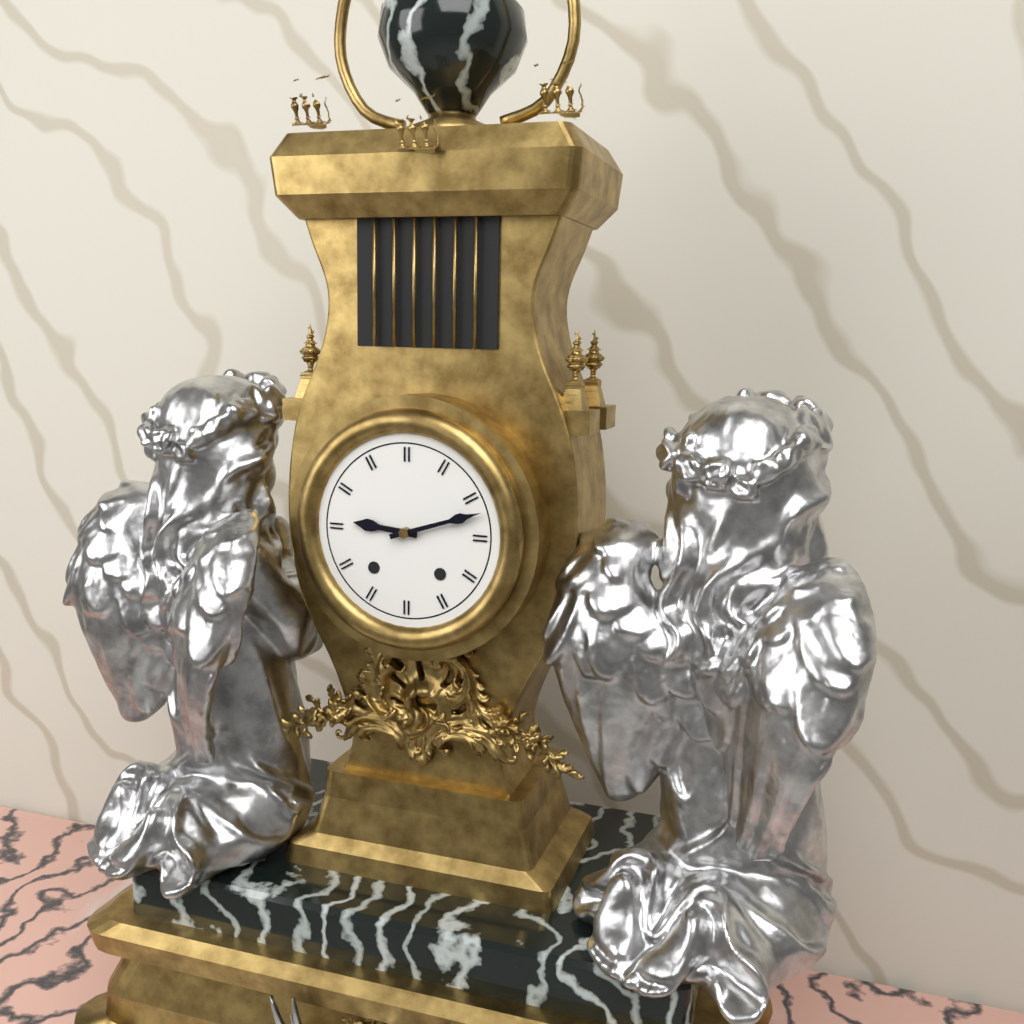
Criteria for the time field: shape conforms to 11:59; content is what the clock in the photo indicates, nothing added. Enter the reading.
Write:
9:12
